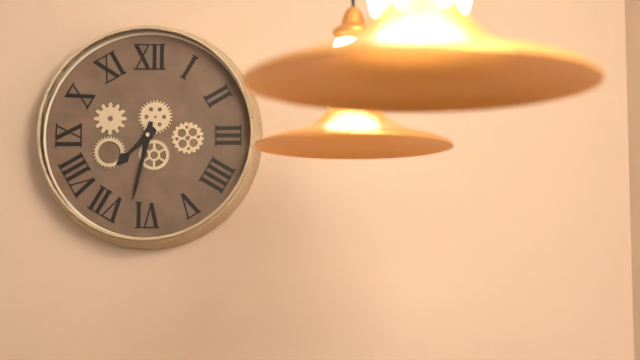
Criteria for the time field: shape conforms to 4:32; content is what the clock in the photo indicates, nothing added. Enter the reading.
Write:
7:32
